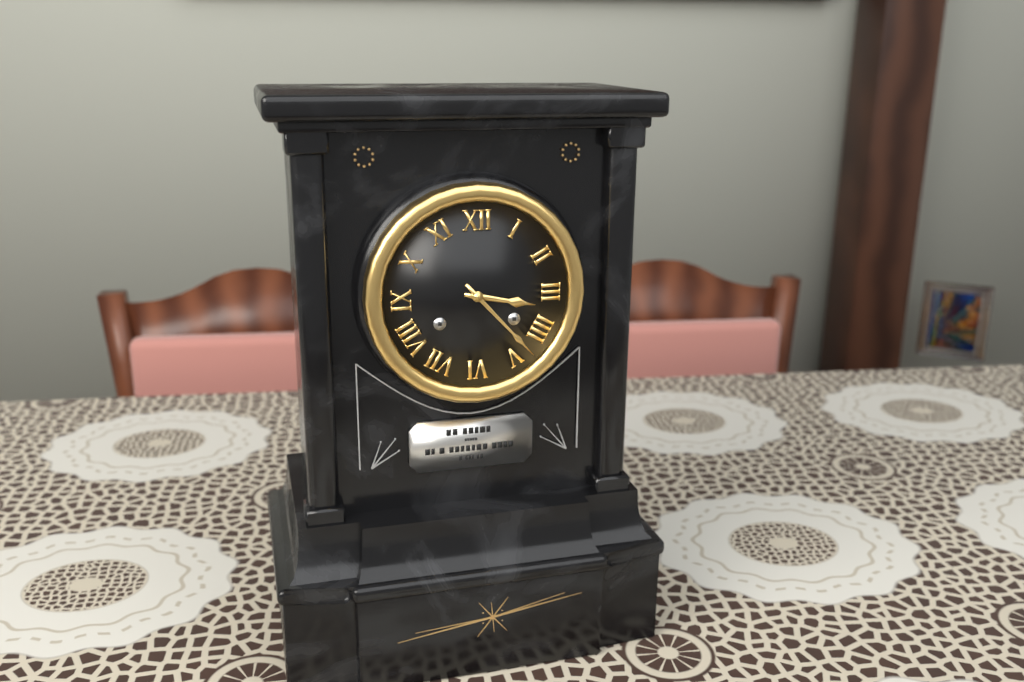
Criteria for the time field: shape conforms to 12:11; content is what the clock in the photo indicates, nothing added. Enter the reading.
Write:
3:23
